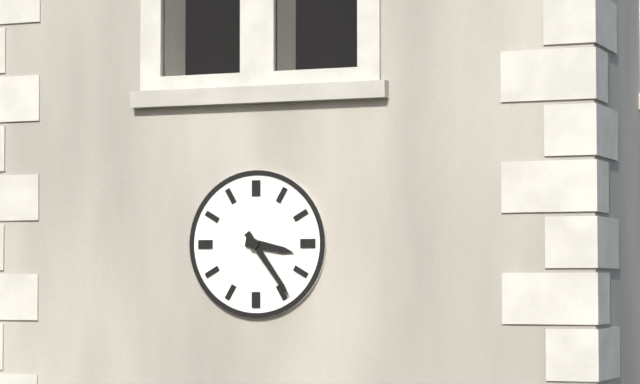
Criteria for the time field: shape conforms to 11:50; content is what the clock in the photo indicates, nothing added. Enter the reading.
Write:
3:24
